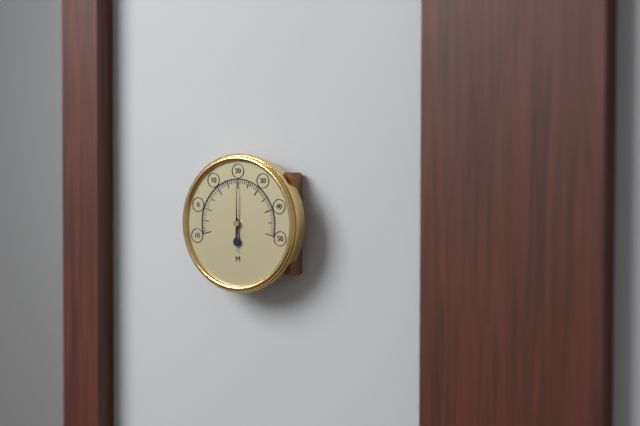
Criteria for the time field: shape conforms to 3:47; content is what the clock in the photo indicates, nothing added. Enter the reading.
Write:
6:00
